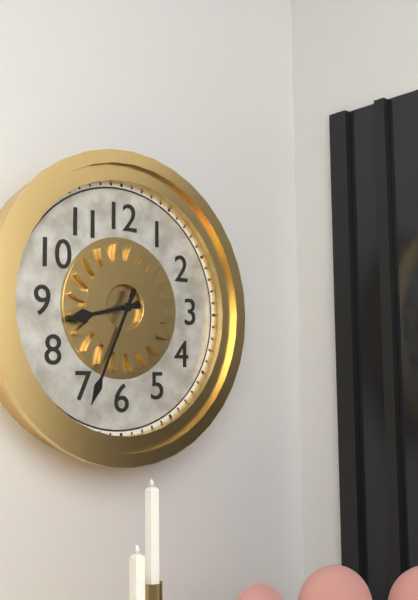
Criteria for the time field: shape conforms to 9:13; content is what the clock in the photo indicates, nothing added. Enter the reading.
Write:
8:34
